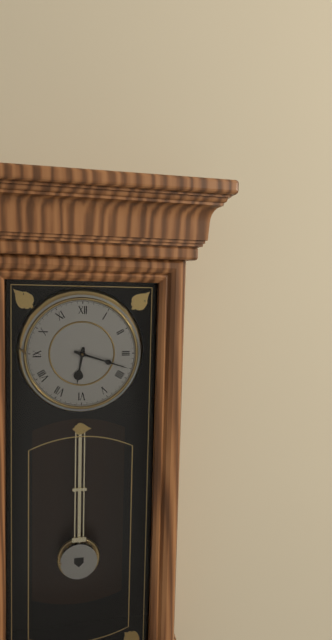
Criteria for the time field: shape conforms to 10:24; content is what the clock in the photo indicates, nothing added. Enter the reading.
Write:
6:18
